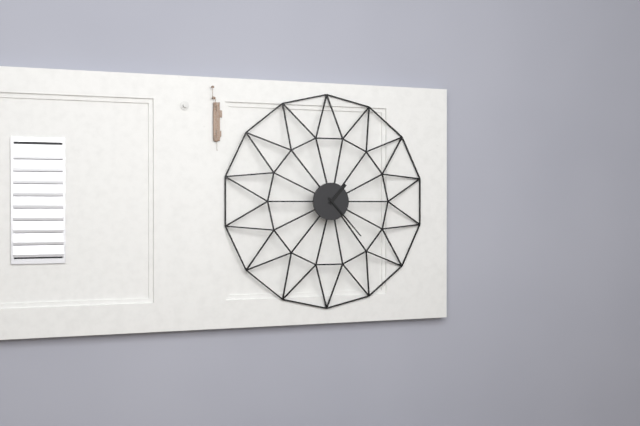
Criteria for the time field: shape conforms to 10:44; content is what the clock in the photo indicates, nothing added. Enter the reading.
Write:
1:23
